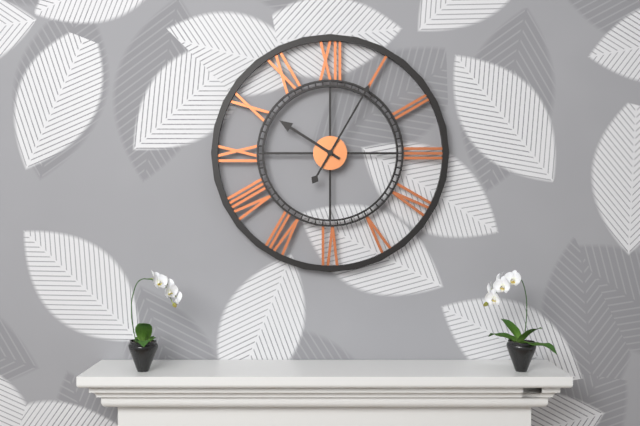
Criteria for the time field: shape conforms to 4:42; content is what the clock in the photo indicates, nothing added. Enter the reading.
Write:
10:05
